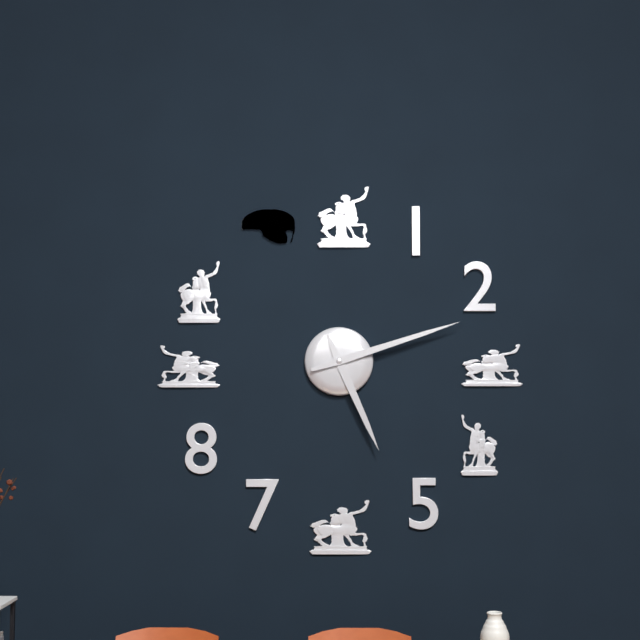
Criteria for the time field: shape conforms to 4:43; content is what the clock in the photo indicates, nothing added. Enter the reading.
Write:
5:12
